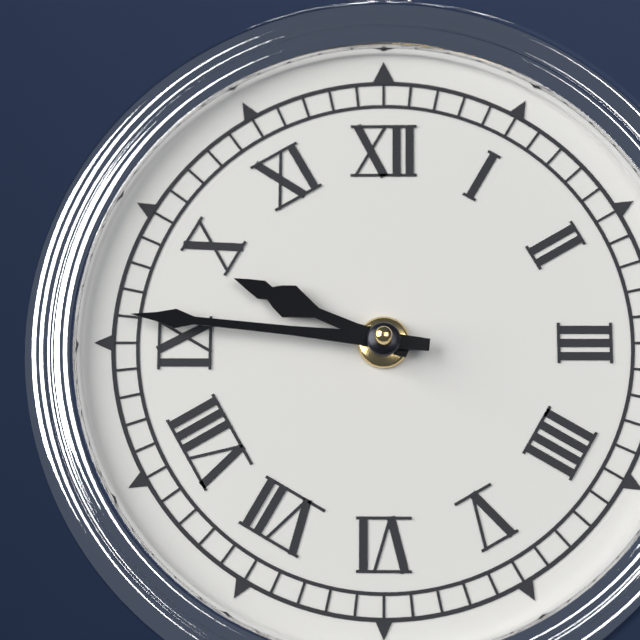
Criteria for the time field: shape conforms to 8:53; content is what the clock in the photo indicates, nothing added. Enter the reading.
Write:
9:46
